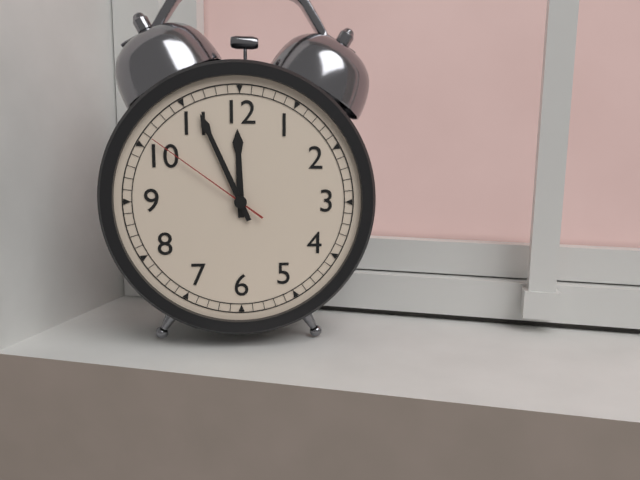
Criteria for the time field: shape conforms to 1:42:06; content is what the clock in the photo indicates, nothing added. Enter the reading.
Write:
11:56:51
